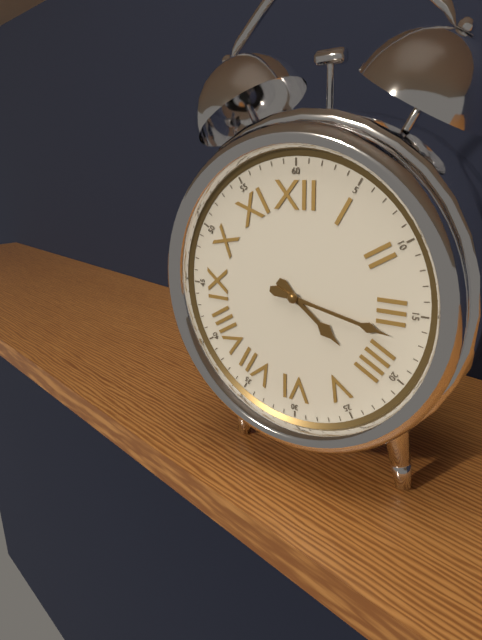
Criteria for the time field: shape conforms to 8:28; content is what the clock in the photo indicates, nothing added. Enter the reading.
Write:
4:17
